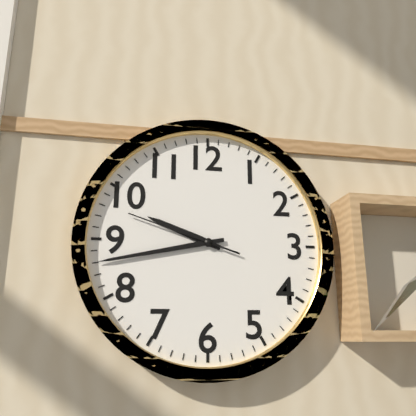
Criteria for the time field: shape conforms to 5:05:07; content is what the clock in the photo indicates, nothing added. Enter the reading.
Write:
9:43:48
